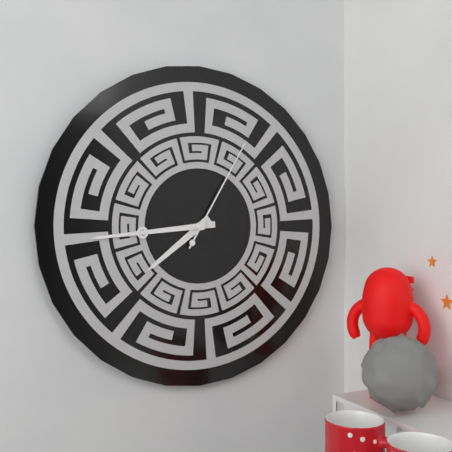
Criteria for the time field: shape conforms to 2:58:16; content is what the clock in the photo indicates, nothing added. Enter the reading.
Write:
7:44:05
